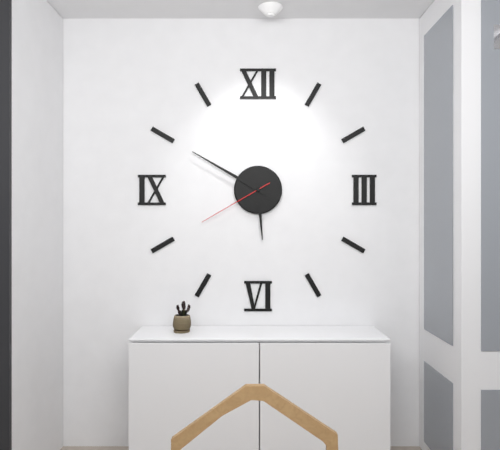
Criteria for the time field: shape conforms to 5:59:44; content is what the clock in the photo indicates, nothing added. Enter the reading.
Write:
5:50:40
